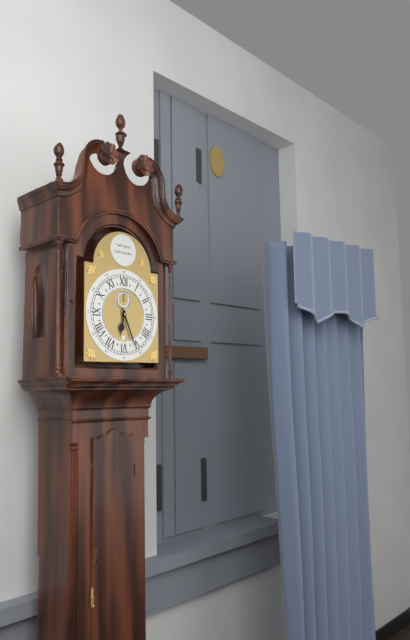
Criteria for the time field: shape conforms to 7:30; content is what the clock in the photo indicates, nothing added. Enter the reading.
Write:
6:26
